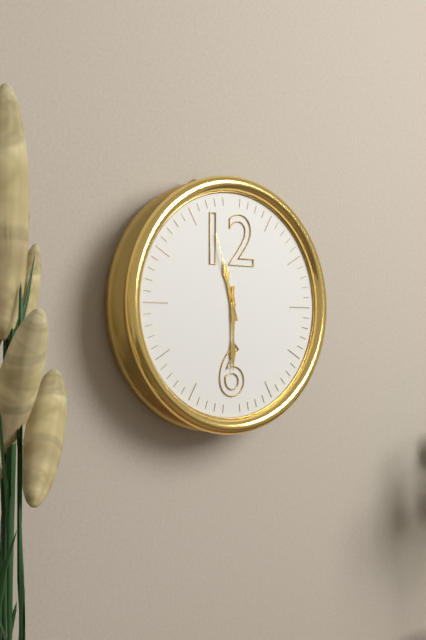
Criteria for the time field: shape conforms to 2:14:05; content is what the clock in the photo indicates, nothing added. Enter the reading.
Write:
11:30:57
